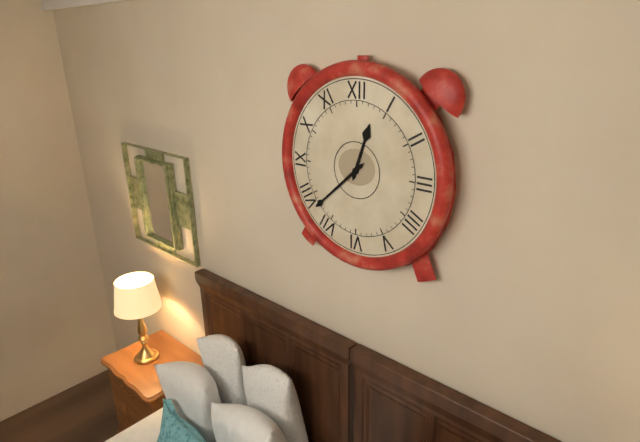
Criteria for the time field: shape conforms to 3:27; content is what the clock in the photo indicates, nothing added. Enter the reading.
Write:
12:38
